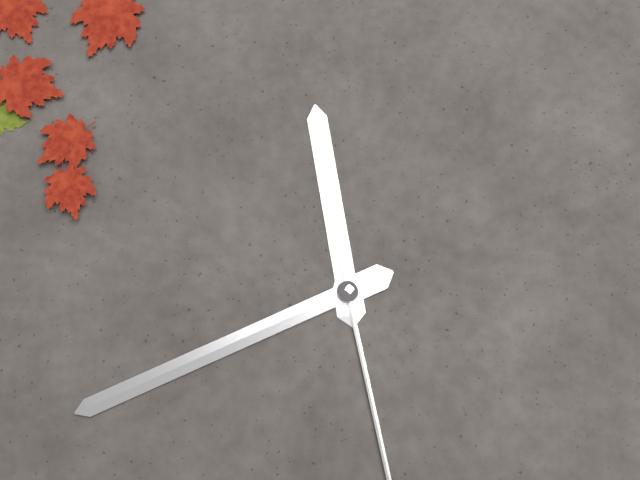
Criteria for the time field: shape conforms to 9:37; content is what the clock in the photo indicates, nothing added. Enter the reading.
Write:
11:41
